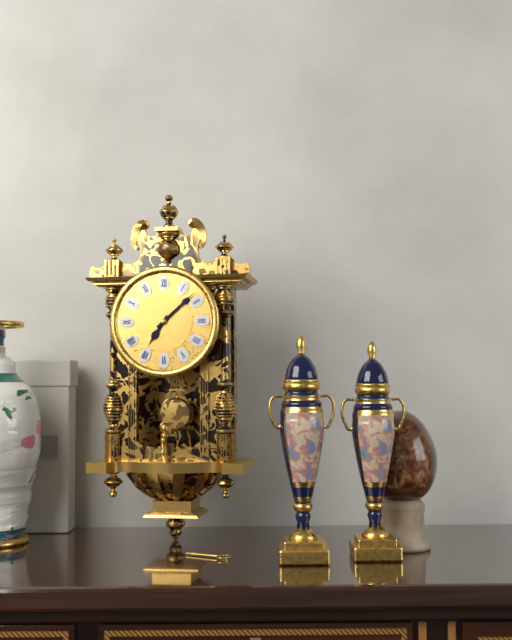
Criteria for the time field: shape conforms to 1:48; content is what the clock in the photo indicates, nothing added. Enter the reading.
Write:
7:08
